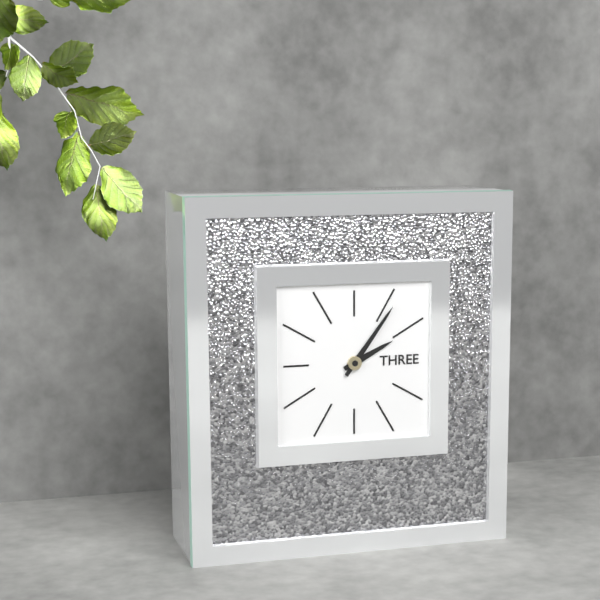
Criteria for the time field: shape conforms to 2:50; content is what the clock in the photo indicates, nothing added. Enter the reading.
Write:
2:06
